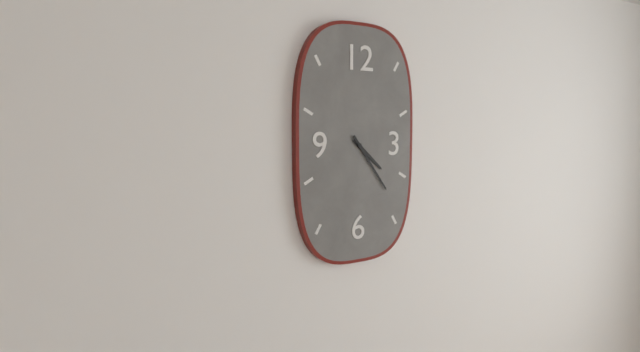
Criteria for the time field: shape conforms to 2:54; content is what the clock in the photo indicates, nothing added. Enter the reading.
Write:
4:24
